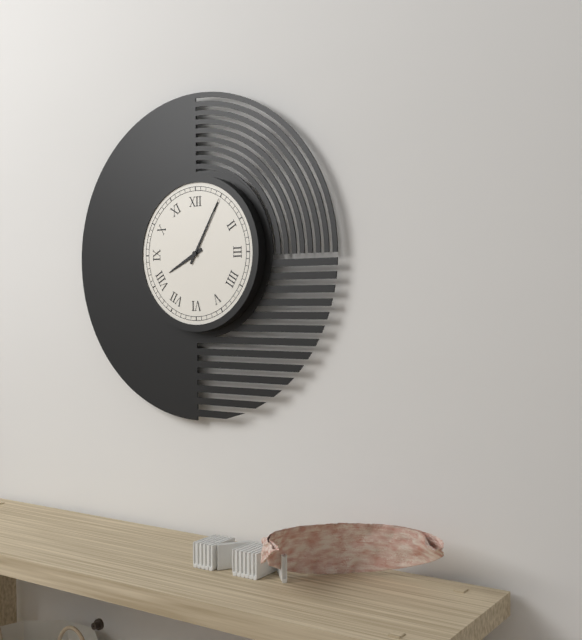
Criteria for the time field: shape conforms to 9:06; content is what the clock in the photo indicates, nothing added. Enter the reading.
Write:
8:05
